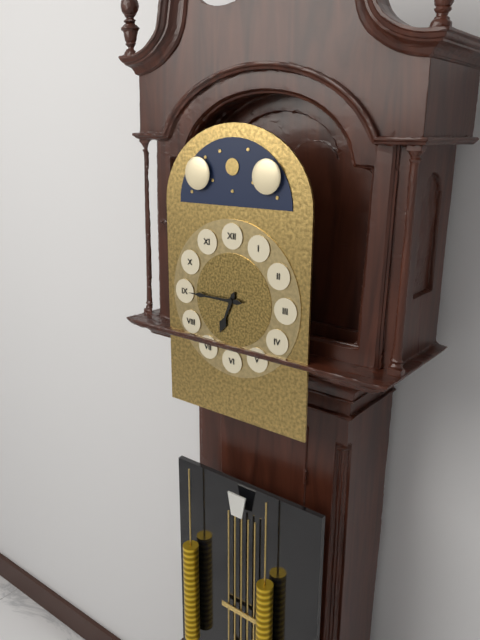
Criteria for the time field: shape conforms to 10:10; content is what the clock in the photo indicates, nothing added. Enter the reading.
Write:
6:45
